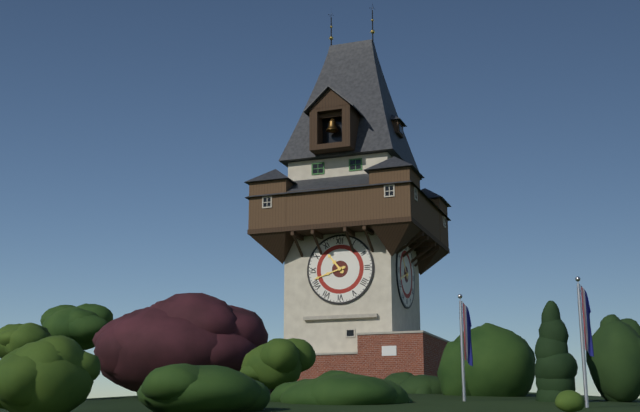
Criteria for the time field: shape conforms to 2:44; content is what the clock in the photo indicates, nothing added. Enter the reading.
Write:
10:42
